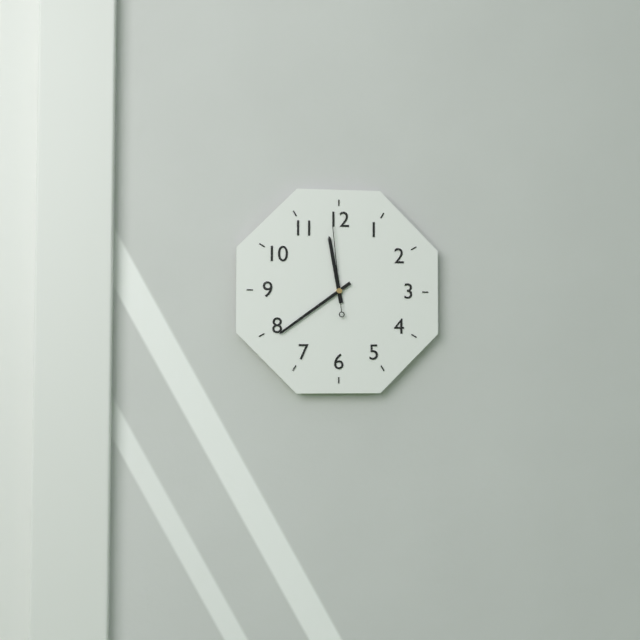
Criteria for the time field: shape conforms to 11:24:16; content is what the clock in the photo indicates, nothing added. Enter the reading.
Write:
11:39:59
